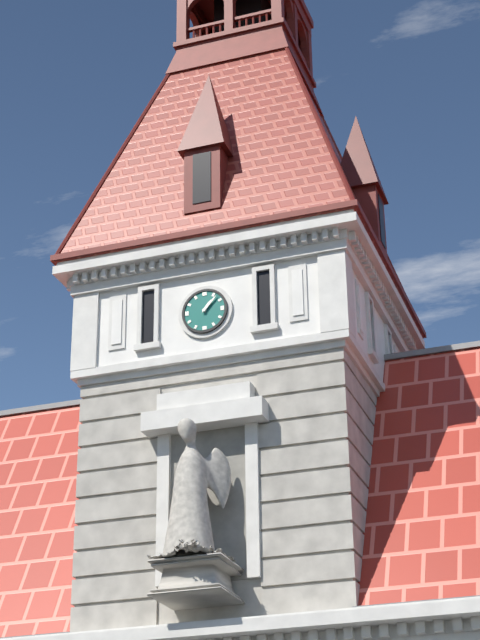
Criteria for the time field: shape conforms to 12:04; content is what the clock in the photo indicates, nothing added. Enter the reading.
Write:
1:07
